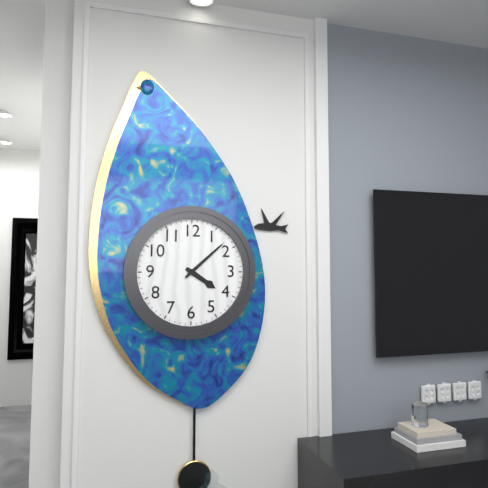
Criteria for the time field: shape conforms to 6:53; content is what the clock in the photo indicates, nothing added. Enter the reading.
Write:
4:08
